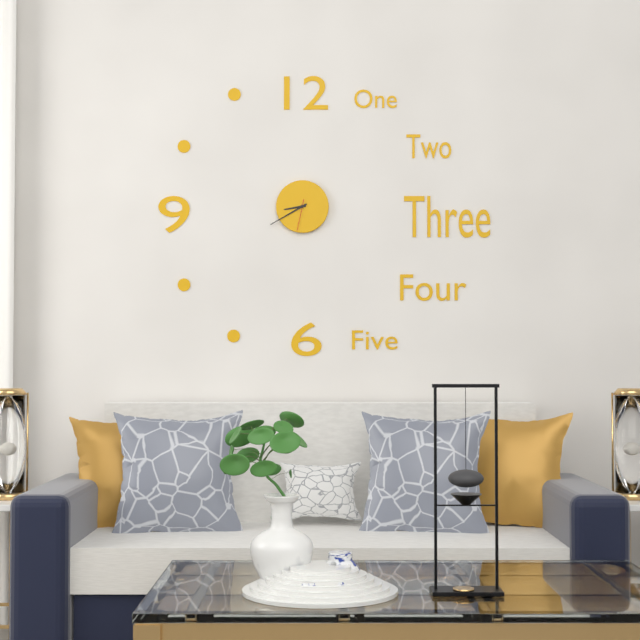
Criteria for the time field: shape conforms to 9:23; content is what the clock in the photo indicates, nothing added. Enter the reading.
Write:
8:40
